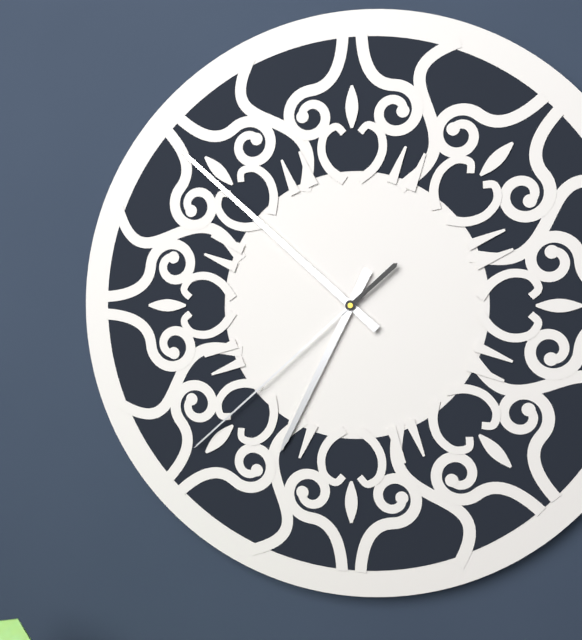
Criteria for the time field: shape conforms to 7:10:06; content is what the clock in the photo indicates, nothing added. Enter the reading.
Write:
6:52:38
